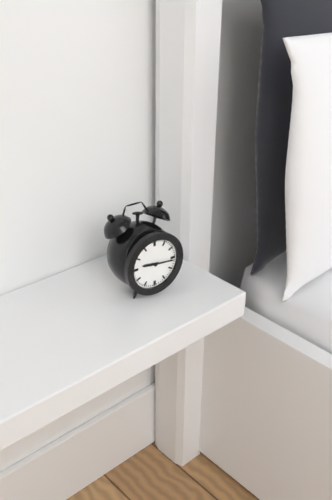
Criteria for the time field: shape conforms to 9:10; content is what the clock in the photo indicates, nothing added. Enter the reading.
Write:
9:16
